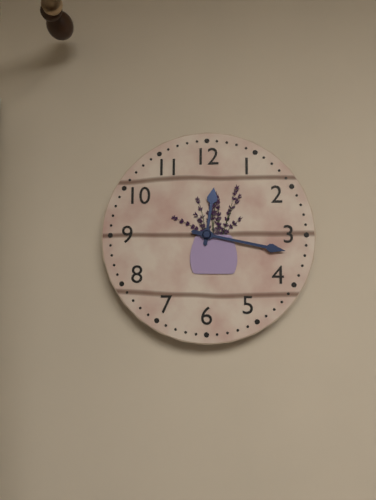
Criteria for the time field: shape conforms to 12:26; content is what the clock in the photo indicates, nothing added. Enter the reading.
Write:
12:17
